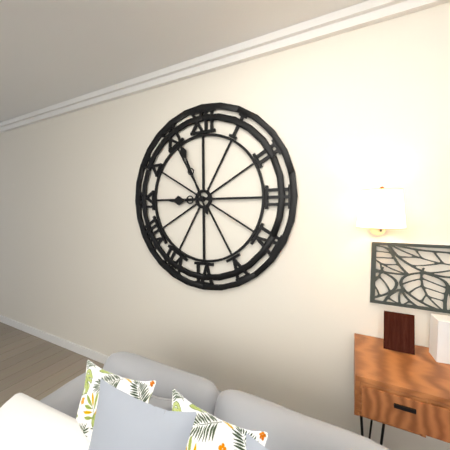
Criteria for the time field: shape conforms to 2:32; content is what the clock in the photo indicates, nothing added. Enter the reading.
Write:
8:56
